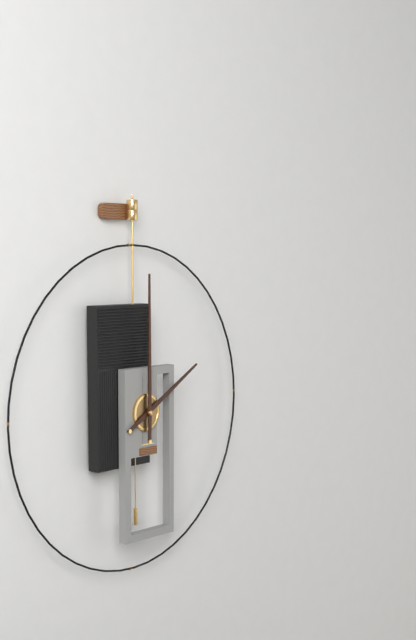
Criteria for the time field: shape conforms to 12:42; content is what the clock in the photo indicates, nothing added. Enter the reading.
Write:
2:00
